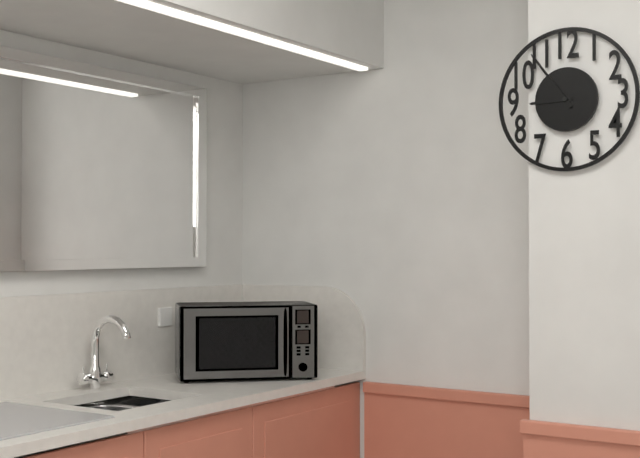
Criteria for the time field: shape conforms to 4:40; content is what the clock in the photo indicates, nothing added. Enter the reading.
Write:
8:54
